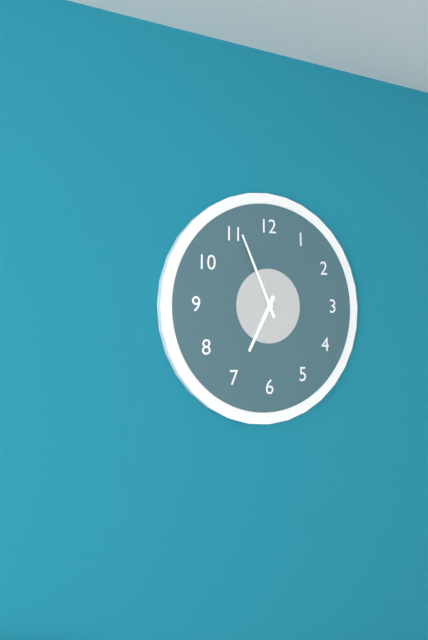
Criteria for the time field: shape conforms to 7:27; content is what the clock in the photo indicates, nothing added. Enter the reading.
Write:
6:56
